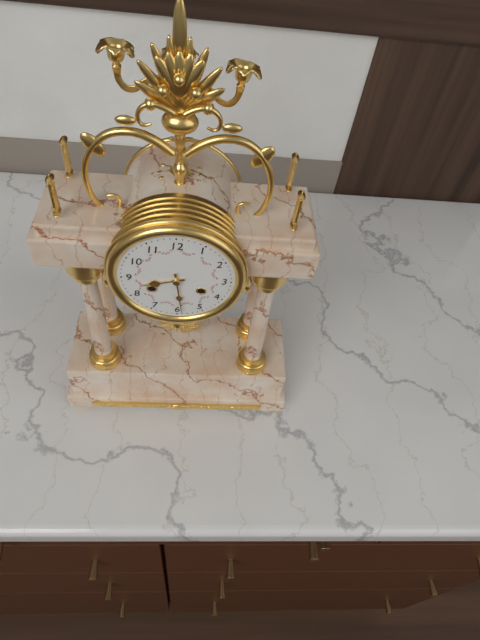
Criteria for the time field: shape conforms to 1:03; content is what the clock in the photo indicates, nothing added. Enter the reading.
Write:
8:29
